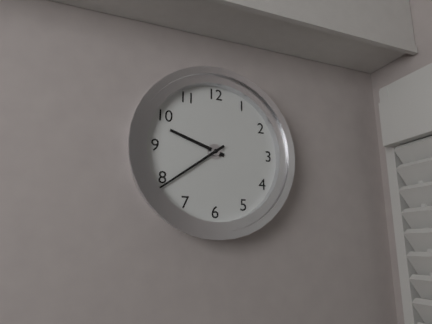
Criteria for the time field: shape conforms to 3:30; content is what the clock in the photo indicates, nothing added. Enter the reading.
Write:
9:39
